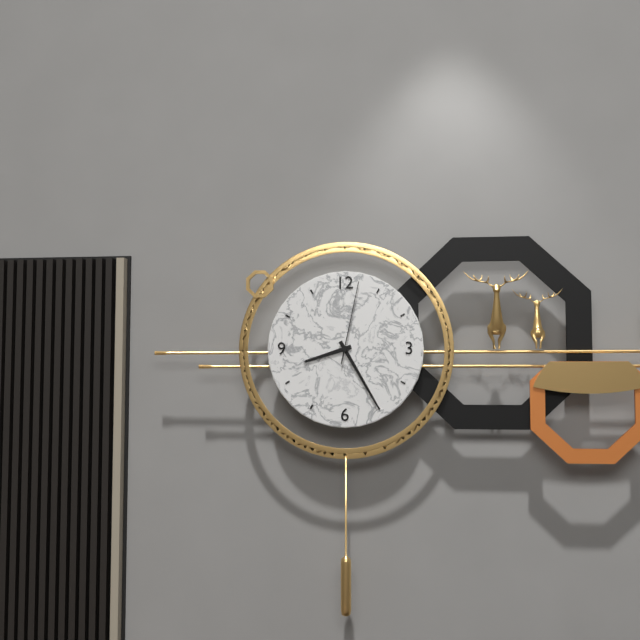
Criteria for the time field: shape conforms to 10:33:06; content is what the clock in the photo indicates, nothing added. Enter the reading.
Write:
8:25:02
